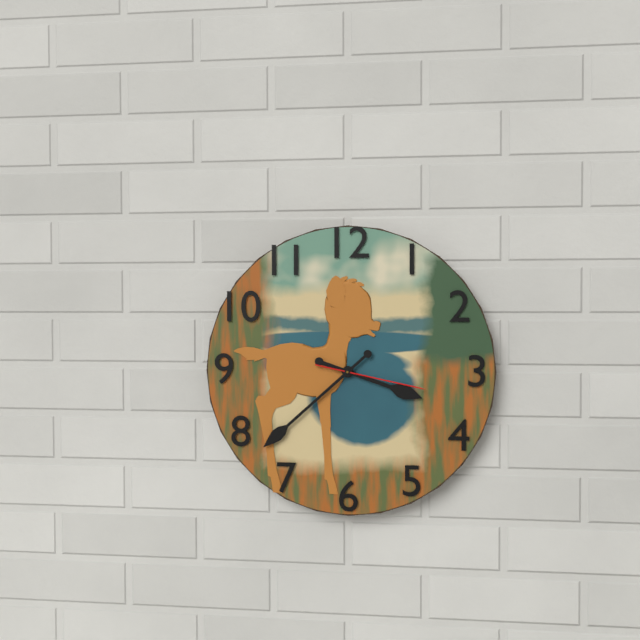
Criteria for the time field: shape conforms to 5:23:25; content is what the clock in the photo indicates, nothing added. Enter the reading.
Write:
3:38:17
